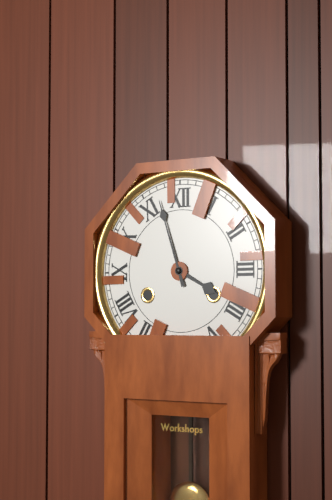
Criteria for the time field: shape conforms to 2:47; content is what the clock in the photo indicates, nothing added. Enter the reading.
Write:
3:57
